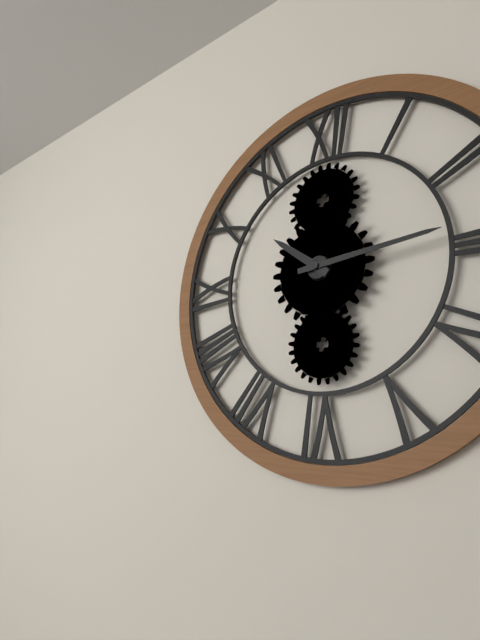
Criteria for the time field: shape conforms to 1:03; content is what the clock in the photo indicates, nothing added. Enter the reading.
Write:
10:14
